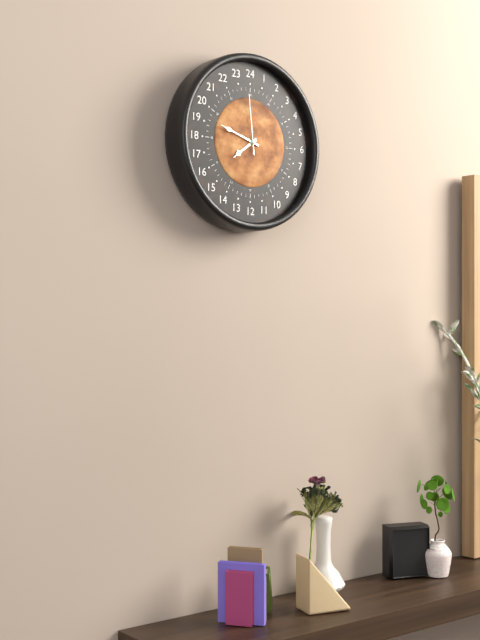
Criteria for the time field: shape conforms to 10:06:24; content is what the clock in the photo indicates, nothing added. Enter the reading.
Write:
7:48:59
